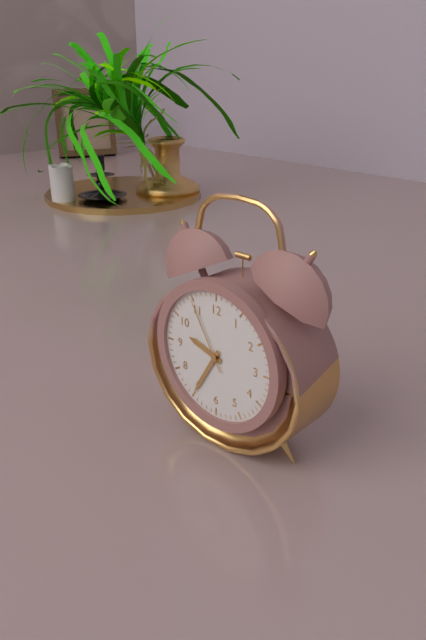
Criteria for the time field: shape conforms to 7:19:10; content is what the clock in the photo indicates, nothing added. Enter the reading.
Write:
9:35:55
